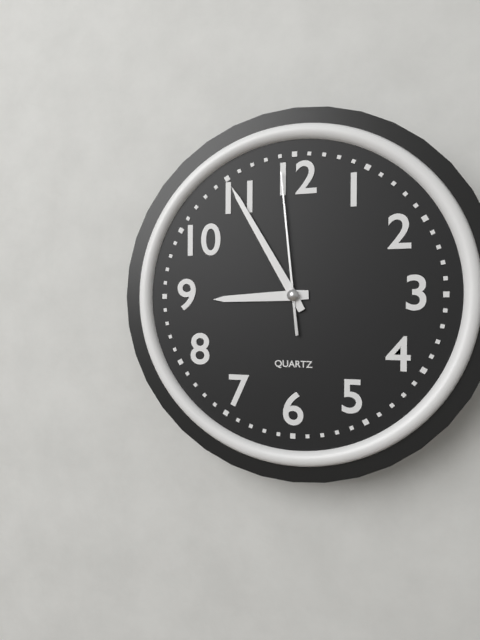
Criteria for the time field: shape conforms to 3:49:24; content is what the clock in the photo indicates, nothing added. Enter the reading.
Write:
8:55:59
